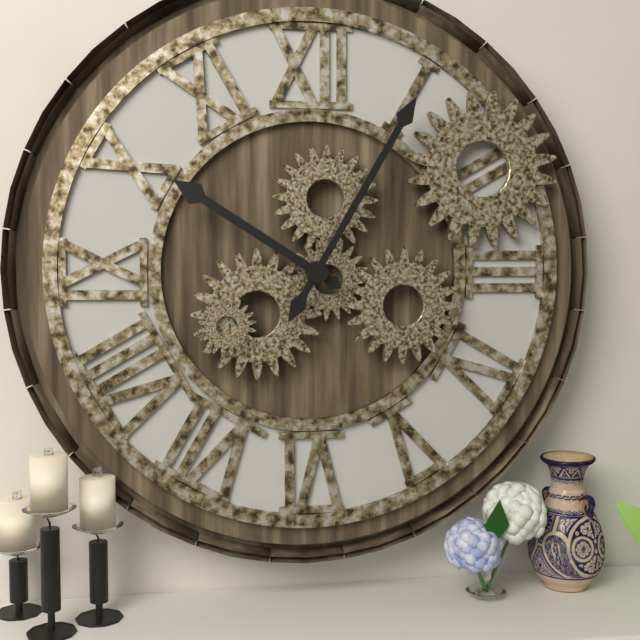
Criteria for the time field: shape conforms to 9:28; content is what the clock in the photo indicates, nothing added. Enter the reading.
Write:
10:05
